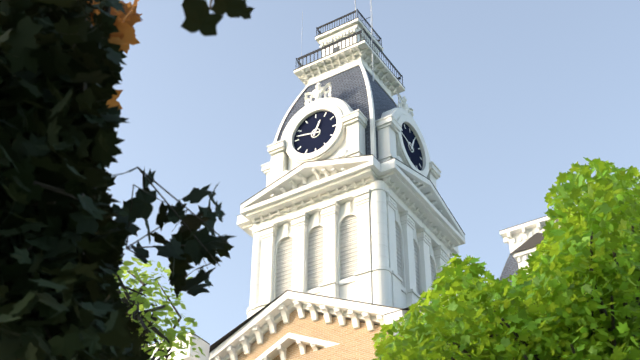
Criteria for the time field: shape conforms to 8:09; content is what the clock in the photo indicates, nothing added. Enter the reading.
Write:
12:47
